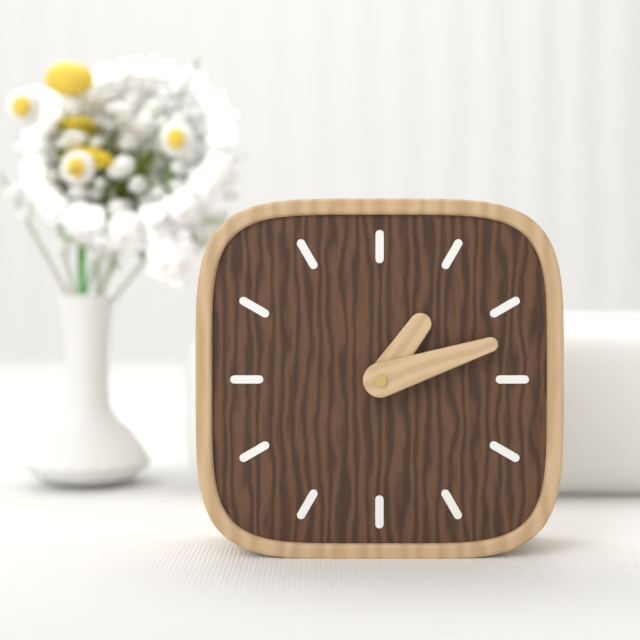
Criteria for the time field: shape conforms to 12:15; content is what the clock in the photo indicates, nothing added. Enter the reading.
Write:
1:12
